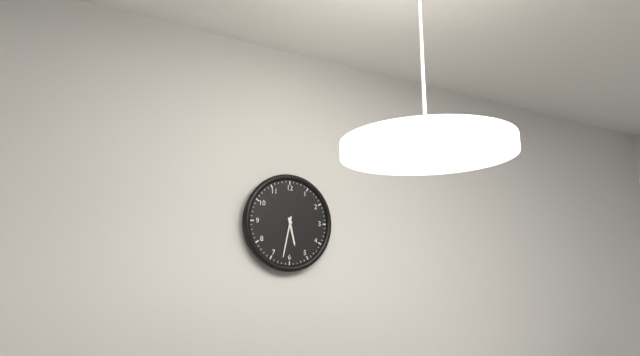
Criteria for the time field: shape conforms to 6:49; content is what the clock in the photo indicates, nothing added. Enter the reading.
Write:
5:32
